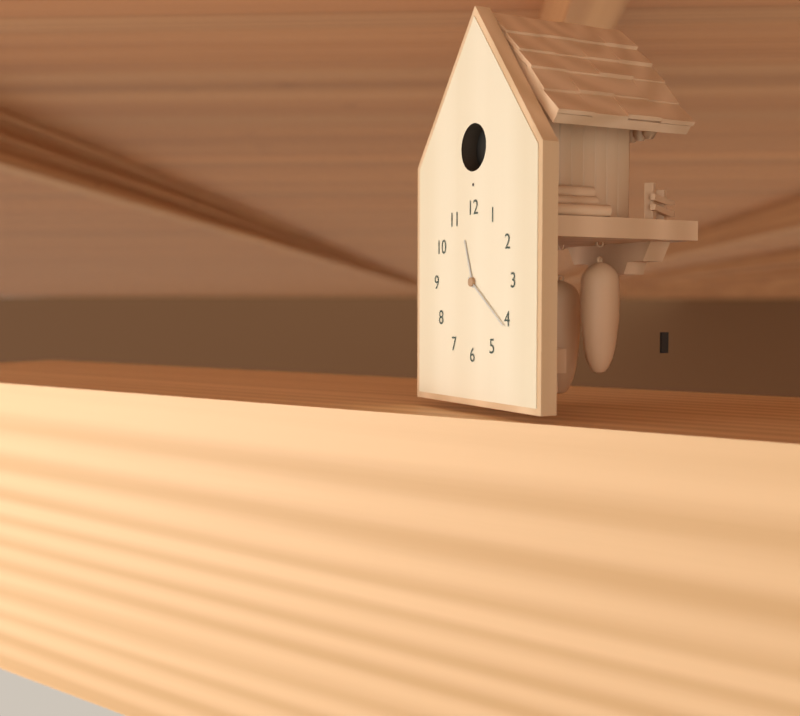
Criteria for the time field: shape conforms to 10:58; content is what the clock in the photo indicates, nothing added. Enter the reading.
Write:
11:21
